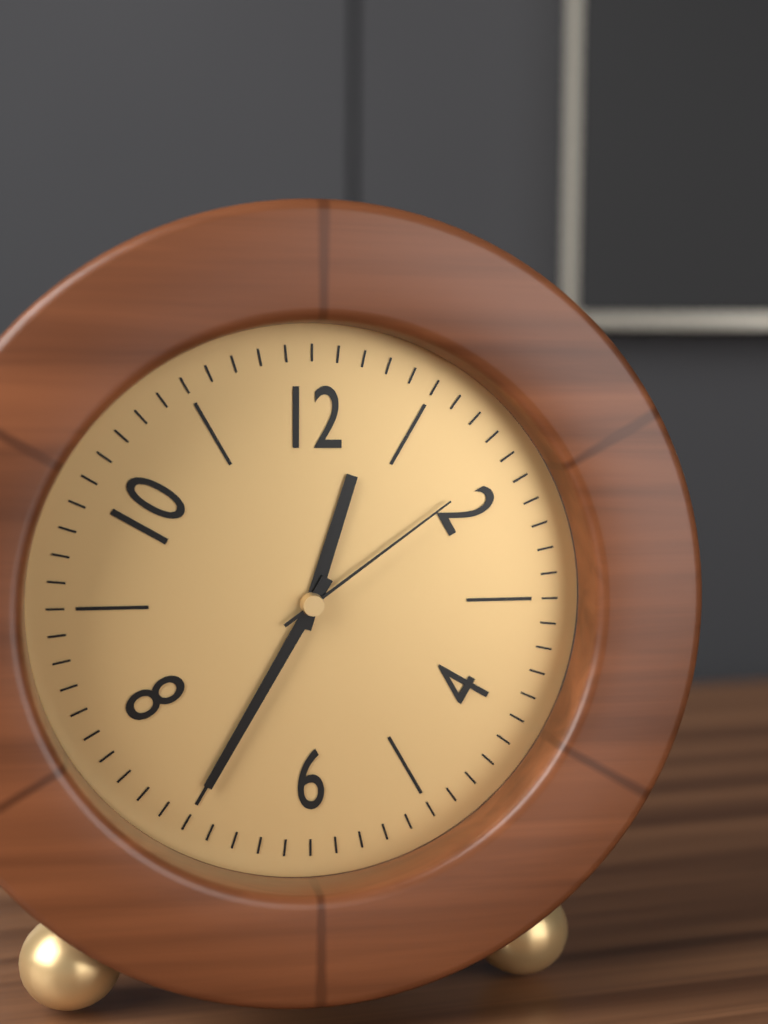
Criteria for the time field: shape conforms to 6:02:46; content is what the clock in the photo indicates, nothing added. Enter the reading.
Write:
12:35:09
